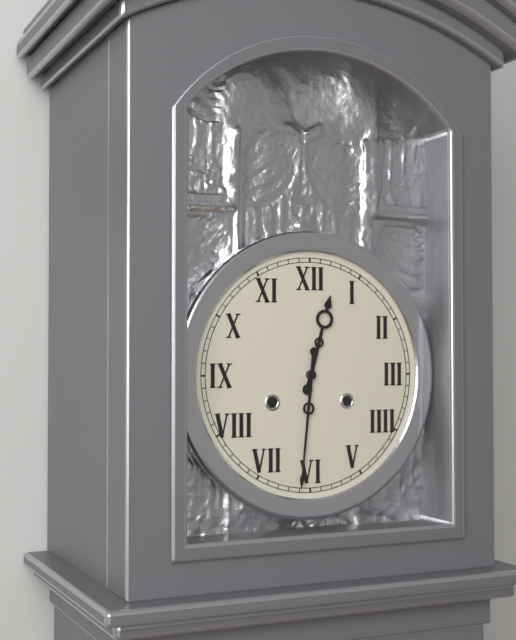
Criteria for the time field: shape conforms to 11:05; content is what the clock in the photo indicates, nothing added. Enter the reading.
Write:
12:31
